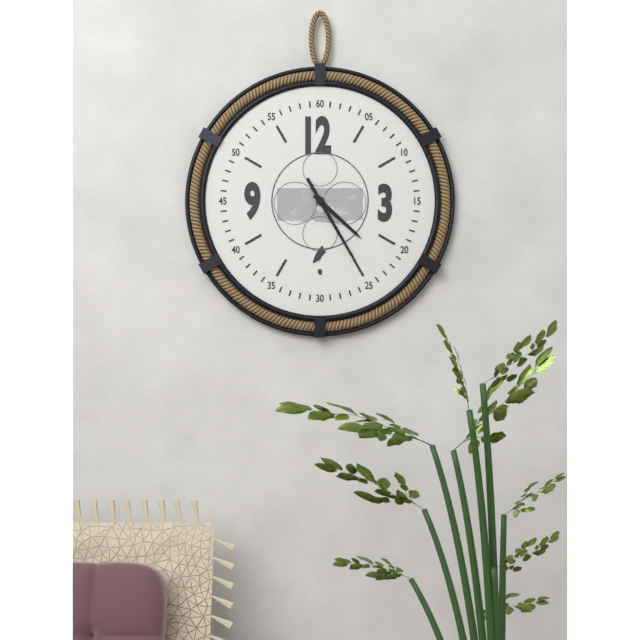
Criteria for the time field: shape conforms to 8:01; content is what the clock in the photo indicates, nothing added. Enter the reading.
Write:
4:25
